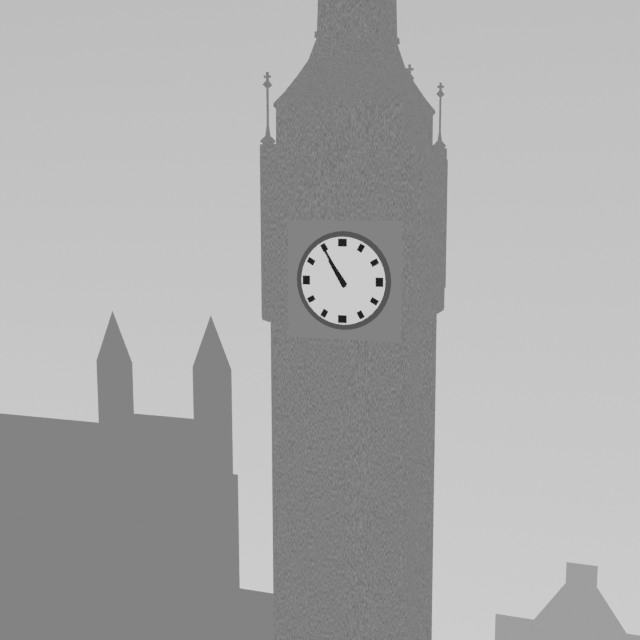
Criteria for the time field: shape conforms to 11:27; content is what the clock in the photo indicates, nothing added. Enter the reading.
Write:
10:55
